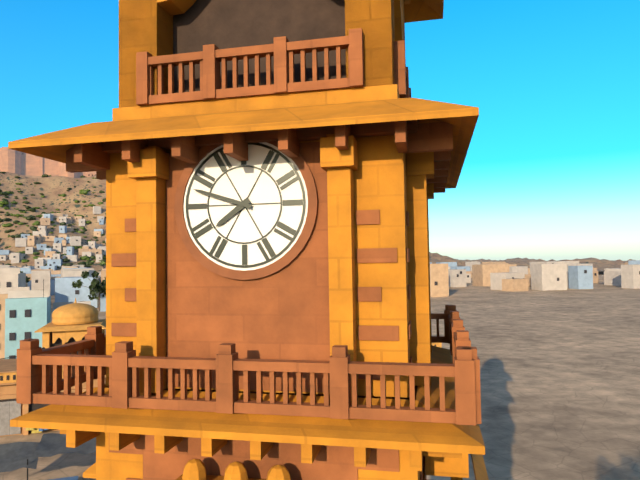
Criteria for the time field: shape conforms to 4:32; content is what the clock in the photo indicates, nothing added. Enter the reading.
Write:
7:48
